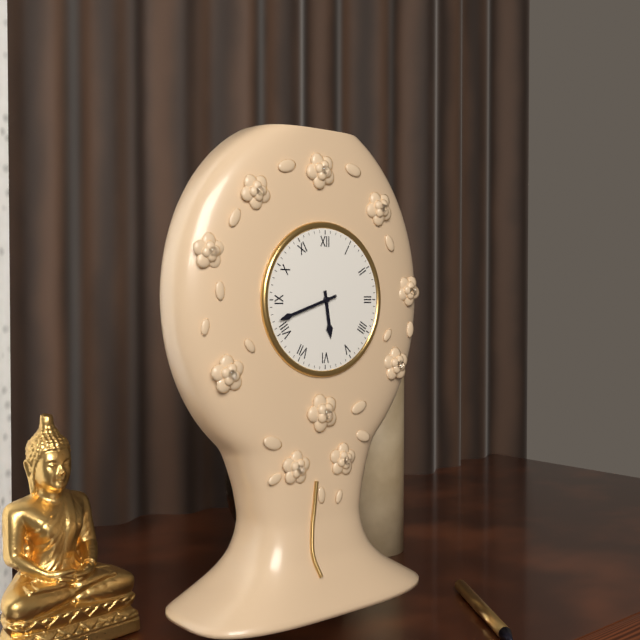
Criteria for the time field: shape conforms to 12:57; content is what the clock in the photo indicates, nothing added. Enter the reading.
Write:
5:42
